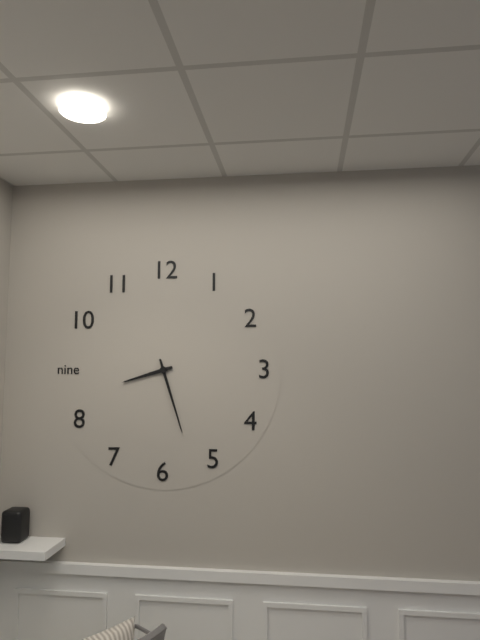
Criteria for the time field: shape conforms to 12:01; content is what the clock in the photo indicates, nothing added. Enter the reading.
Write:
8:27
